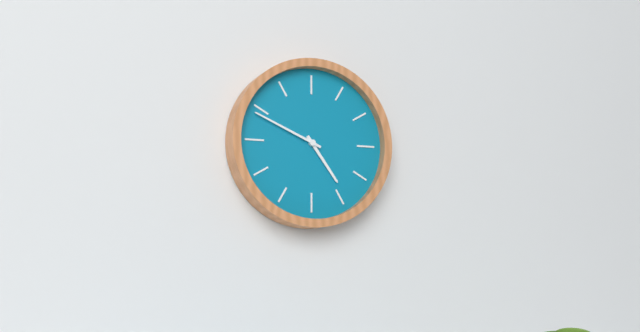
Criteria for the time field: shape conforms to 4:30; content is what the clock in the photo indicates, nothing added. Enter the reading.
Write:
4:49
